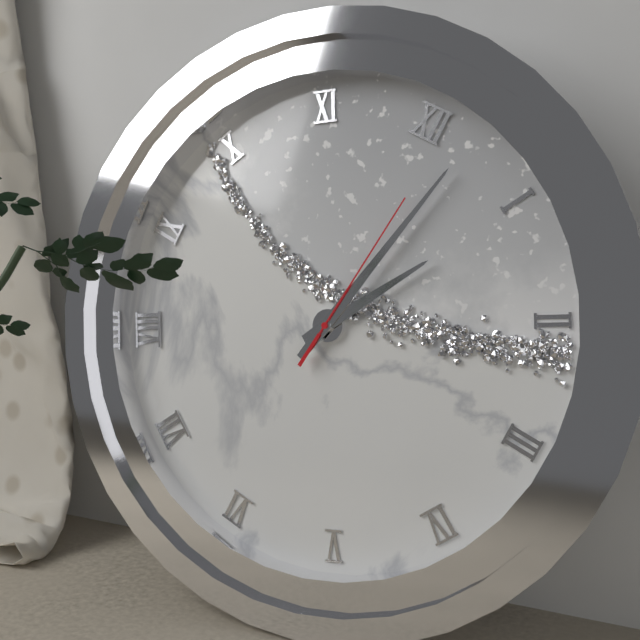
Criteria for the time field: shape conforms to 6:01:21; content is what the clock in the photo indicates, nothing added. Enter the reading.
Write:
1:02:01
